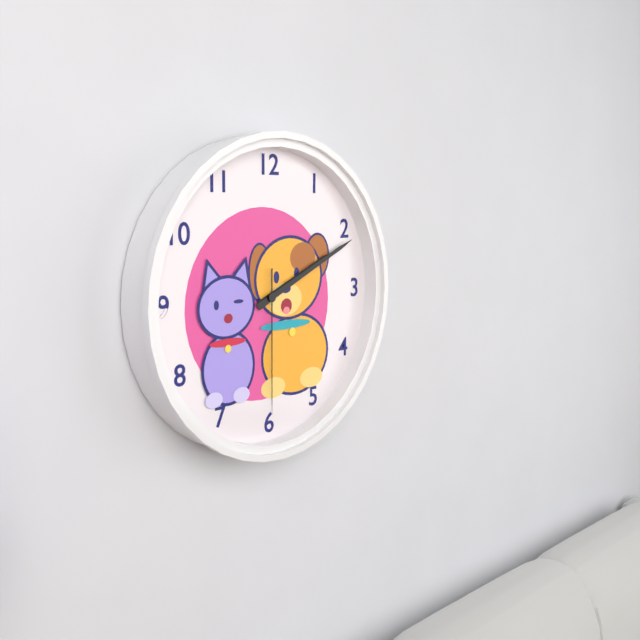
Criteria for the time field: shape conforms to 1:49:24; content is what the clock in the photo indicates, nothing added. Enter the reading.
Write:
2:11:30
